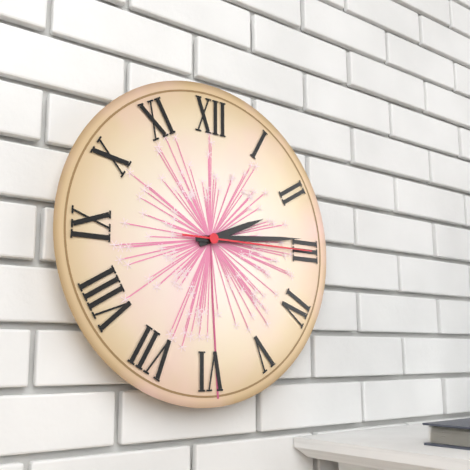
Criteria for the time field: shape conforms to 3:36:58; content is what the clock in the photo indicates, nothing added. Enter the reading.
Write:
2:14:15
